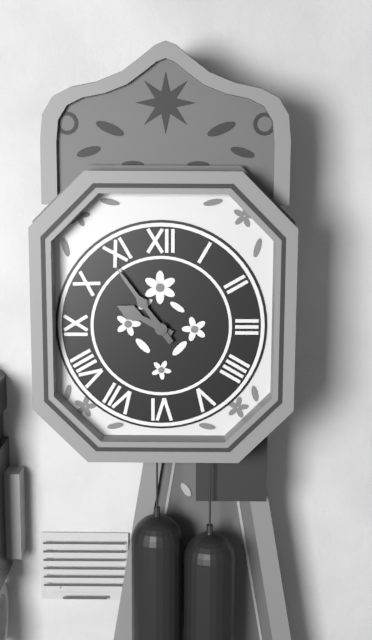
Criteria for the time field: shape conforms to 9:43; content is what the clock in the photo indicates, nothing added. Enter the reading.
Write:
9:54
